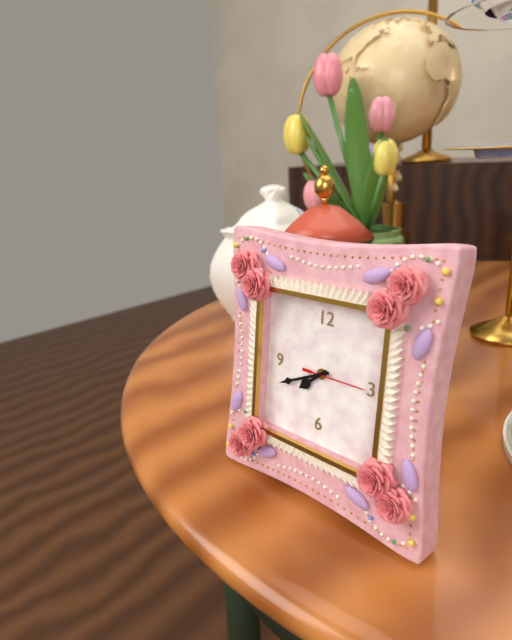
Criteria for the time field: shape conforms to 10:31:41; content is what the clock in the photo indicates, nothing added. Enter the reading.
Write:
7:41:15
